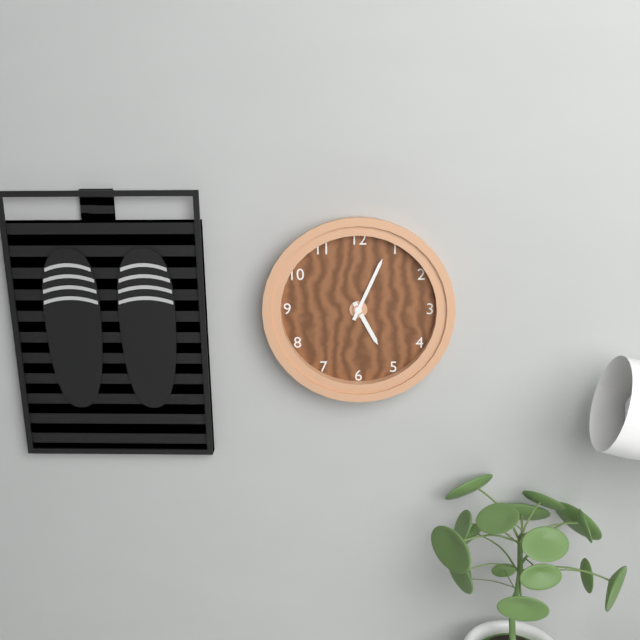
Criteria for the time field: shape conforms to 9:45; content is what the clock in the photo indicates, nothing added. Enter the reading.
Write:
5:04
